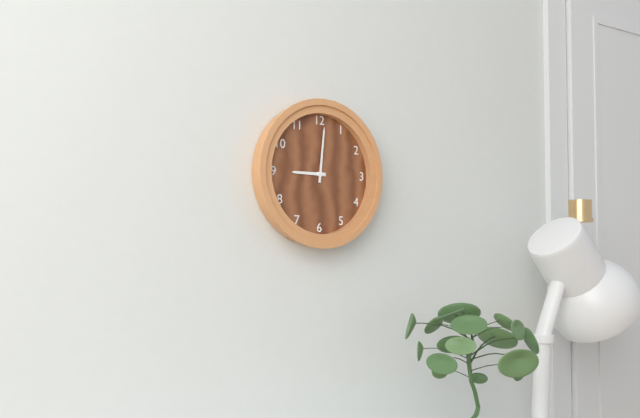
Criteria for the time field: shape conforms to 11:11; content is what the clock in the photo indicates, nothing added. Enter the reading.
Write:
9:01
